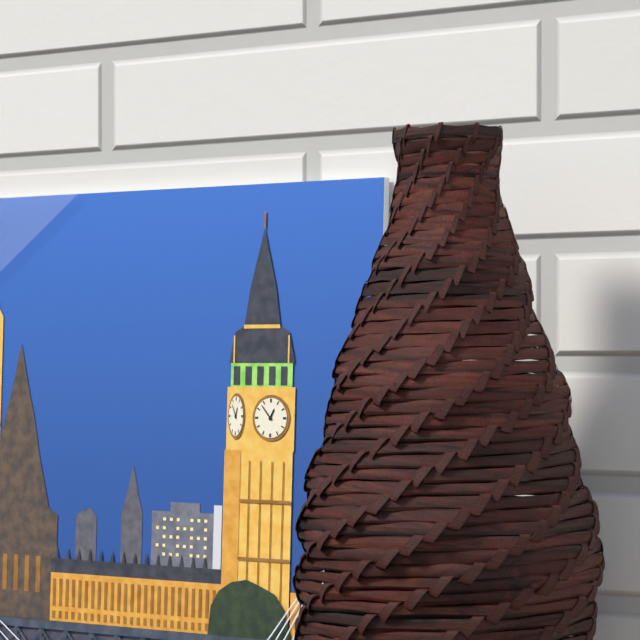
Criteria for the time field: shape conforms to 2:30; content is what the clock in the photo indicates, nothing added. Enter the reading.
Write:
12:53
